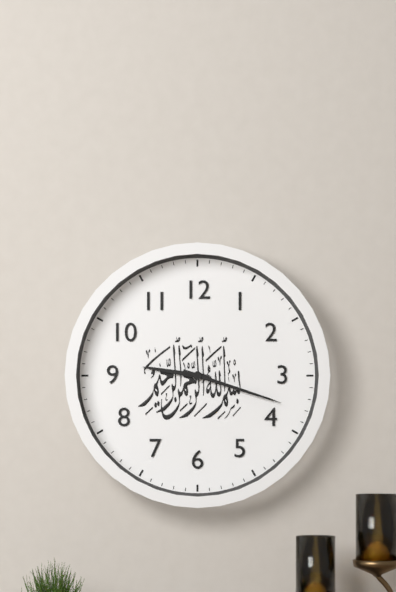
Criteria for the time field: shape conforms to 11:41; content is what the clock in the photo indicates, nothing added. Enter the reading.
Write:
9:18
